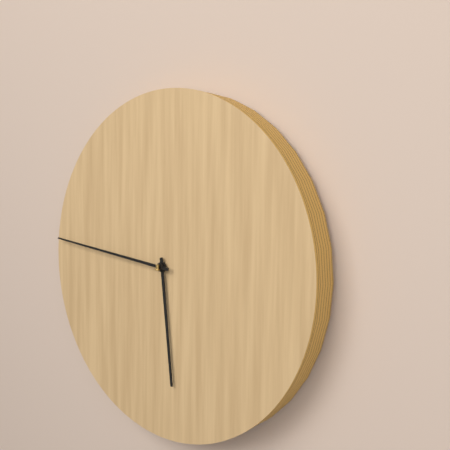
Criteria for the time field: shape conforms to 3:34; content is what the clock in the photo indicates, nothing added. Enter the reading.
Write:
5:46
